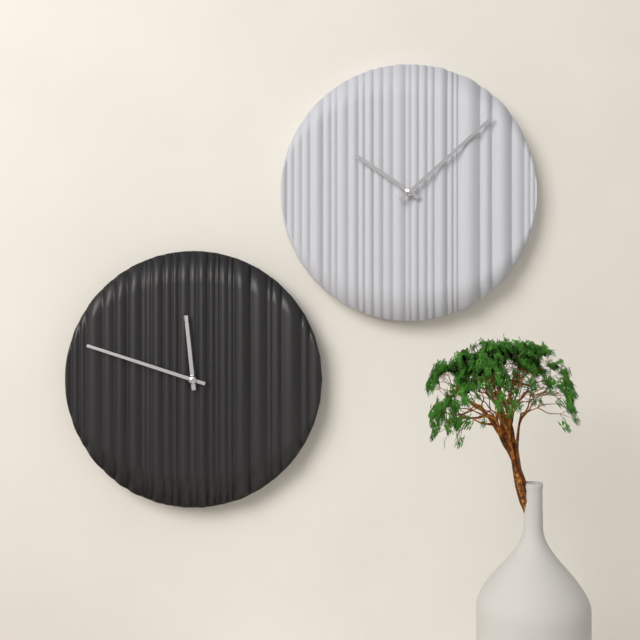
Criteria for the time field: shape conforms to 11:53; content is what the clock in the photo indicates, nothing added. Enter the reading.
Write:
11:48
